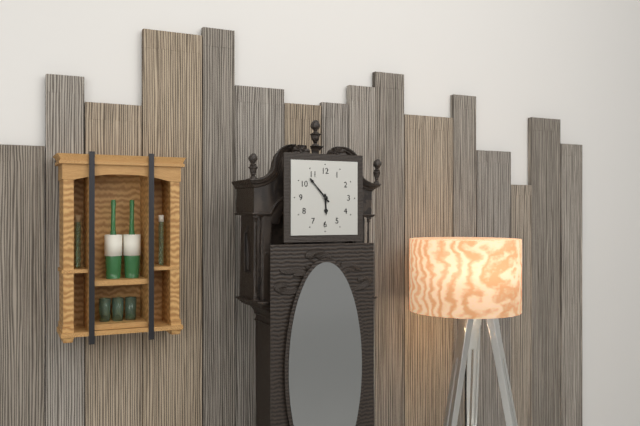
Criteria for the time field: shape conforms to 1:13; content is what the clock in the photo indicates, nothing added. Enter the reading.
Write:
5:53
